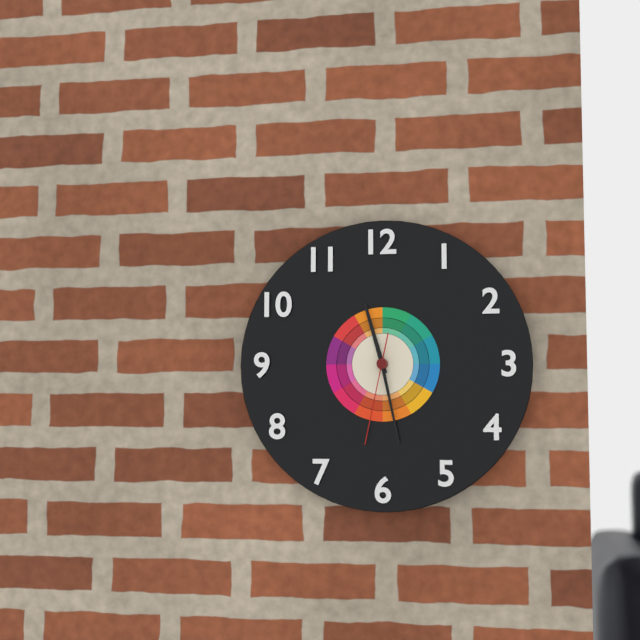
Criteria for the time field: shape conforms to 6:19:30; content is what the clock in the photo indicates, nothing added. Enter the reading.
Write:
11:28:32
